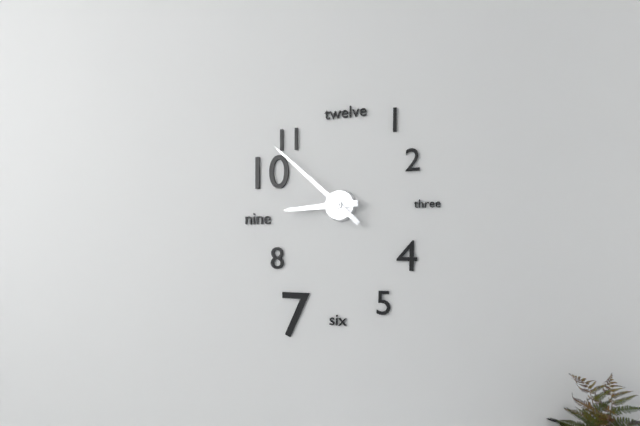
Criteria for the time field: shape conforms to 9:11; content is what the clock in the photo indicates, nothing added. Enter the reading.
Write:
8:52
